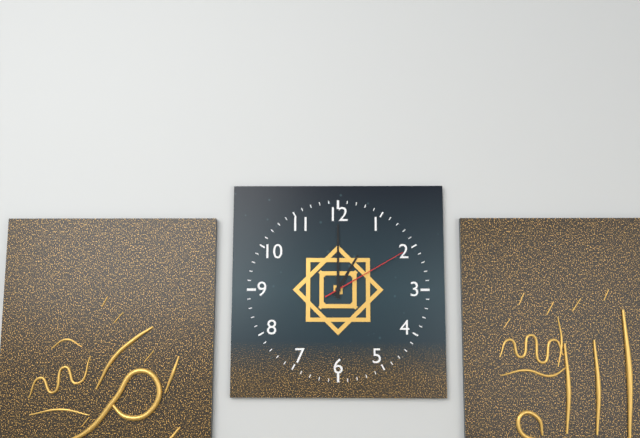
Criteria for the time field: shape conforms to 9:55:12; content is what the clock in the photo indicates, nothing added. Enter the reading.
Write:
1:00:10
